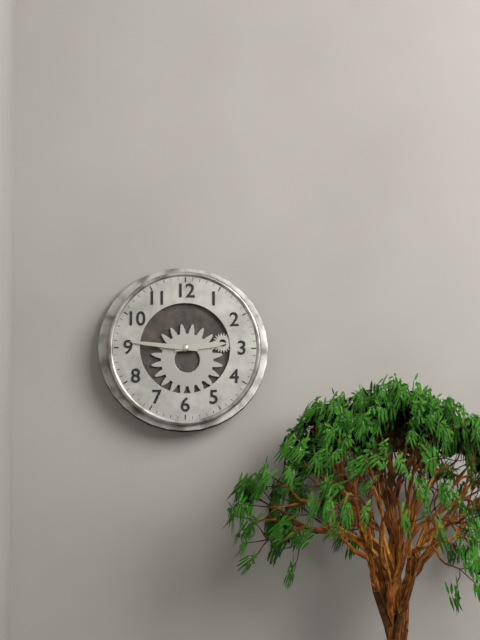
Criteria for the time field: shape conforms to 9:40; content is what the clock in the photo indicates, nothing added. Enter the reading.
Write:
2:46
